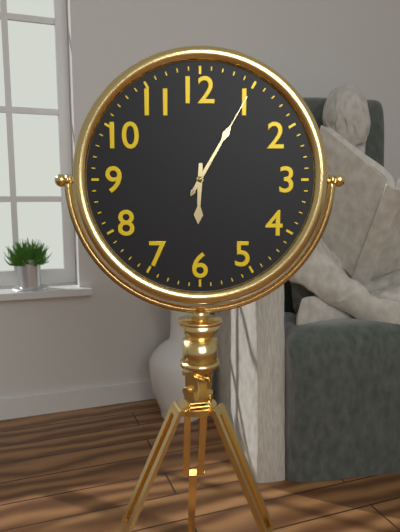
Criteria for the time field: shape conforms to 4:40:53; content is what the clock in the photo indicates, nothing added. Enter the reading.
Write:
6:05:05
